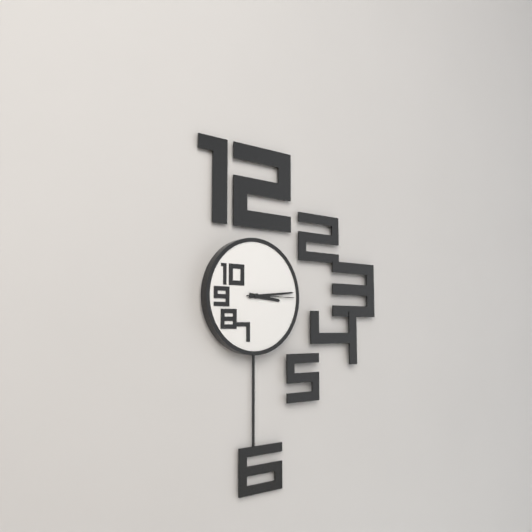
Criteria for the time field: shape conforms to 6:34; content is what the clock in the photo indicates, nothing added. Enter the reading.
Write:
3:14
